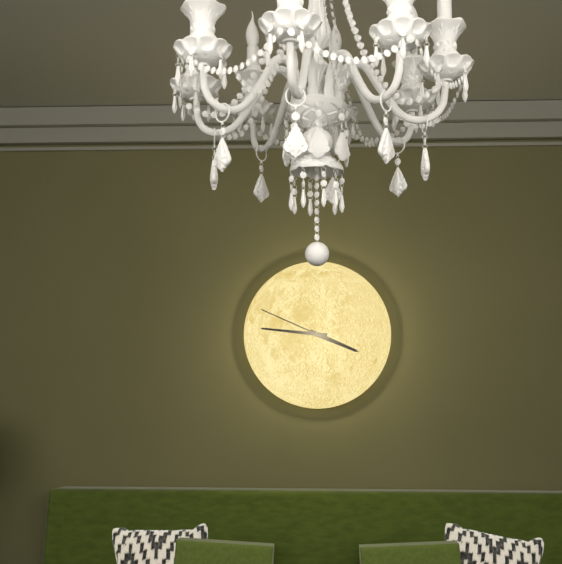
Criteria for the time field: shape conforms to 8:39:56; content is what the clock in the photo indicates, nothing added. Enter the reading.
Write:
3:46:49
